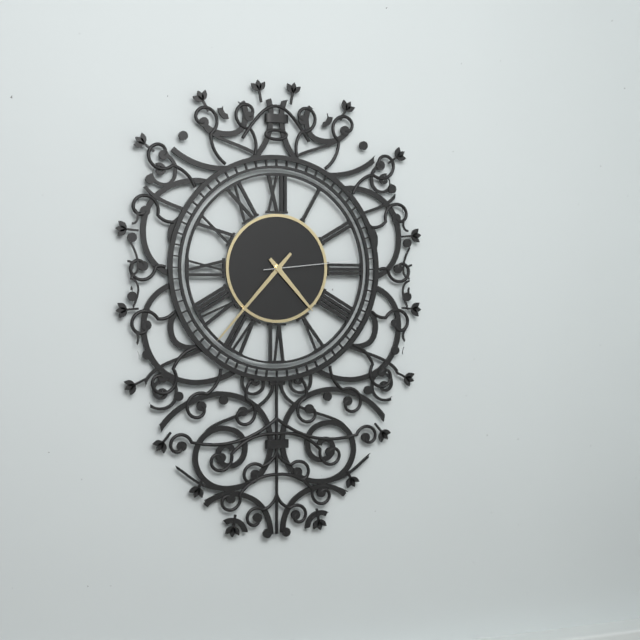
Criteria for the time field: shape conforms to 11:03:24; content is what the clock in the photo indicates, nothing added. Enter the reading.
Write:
4:37:14
